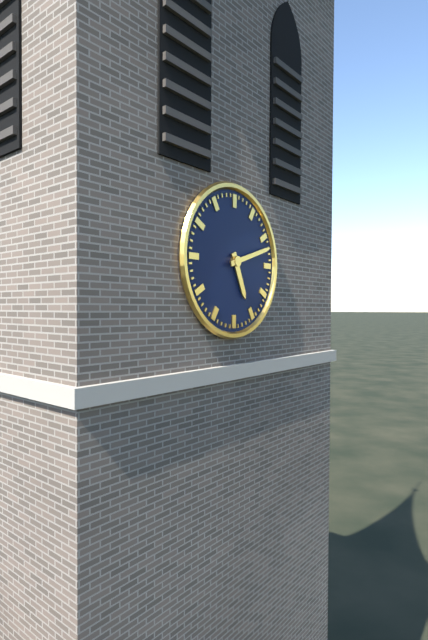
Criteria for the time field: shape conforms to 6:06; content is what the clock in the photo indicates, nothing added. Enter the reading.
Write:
5:12
